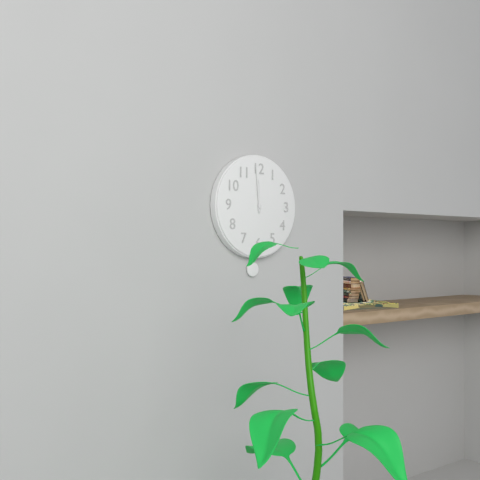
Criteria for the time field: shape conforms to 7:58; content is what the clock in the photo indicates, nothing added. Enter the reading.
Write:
11:59
